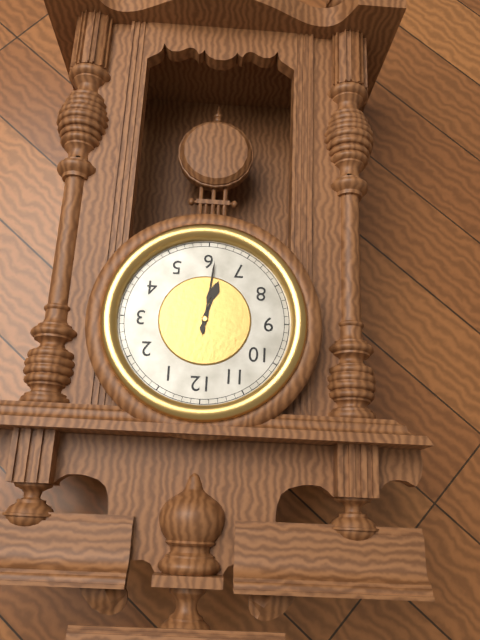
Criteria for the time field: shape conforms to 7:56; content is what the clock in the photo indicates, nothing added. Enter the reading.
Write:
6:31
